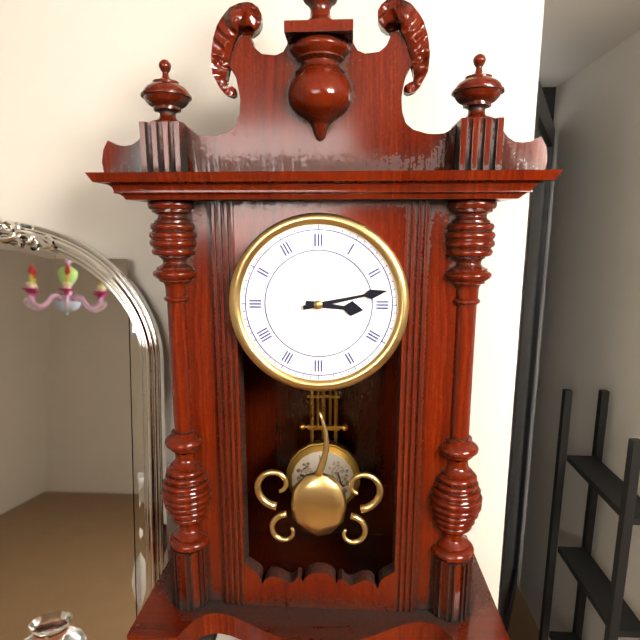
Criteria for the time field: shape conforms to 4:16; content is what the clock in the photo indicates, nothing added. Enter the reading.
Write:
3:13
